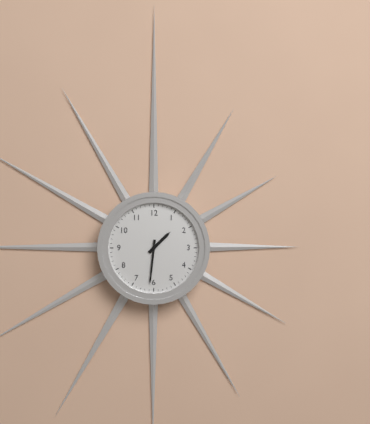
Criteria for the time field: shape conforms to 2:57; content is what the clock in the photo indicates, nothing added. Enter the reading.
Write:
1:31
